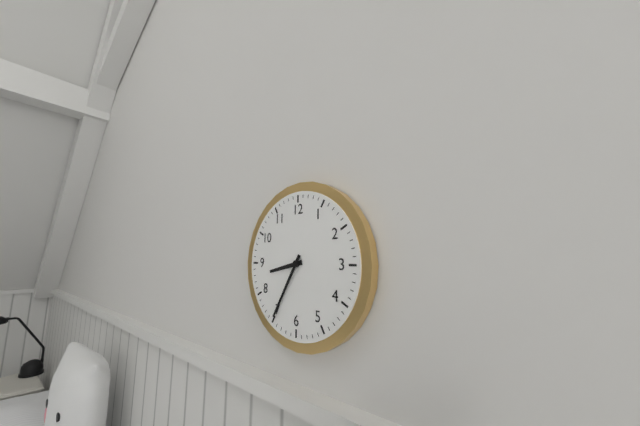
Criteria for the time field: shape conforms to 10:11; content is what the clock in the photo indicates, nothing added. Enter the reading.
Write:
8:35
